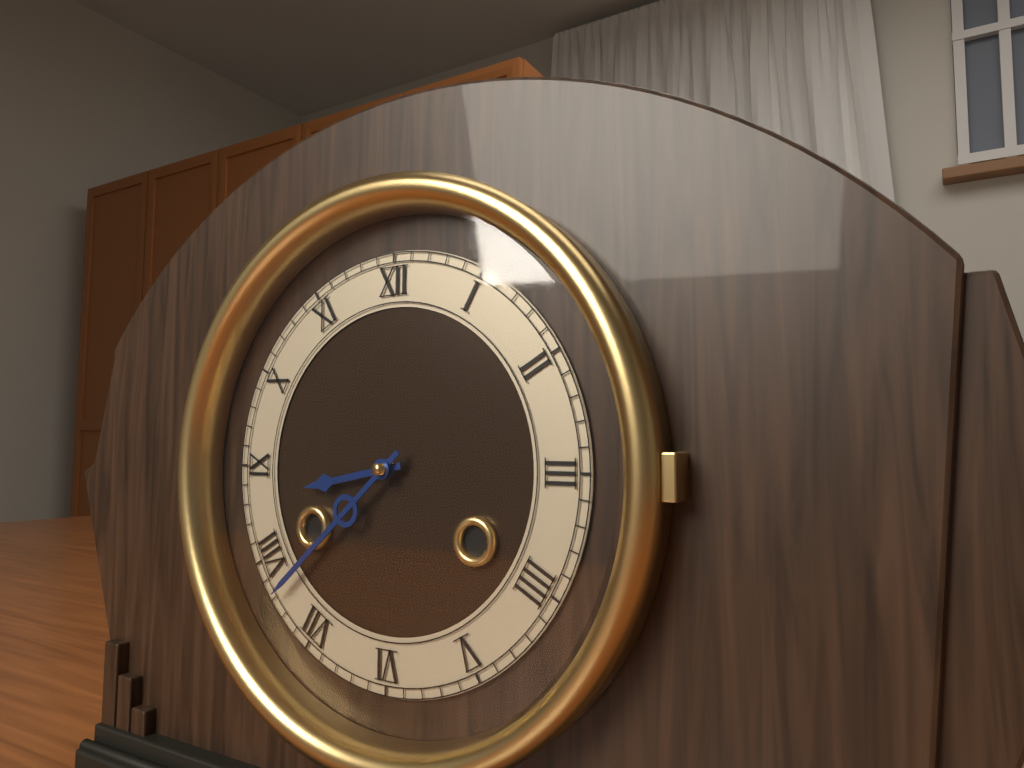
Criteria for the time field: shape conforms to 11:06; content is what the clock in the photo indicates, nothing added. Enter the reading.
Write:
8:38
